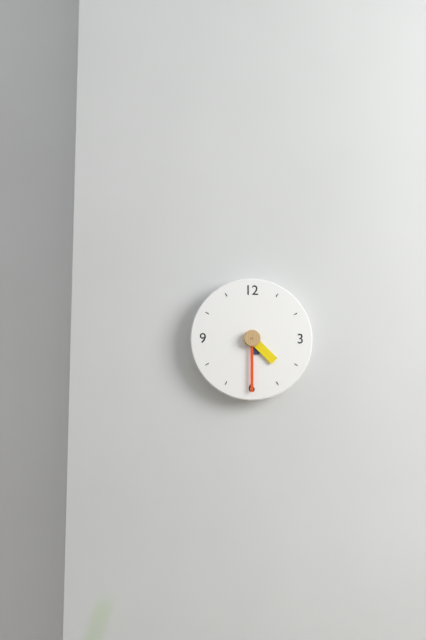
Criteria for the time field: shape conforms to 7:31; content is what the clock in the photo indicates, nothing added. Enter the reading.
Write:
4:30
